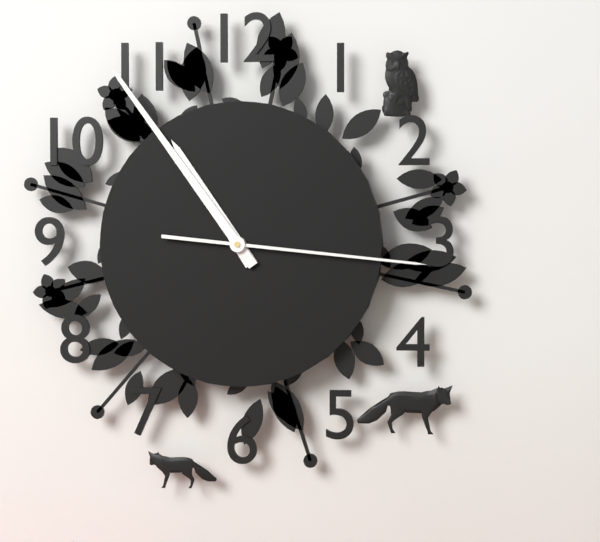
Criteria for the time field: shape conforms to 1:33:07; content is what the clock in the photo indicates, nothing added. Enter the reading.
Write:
10:54:16
